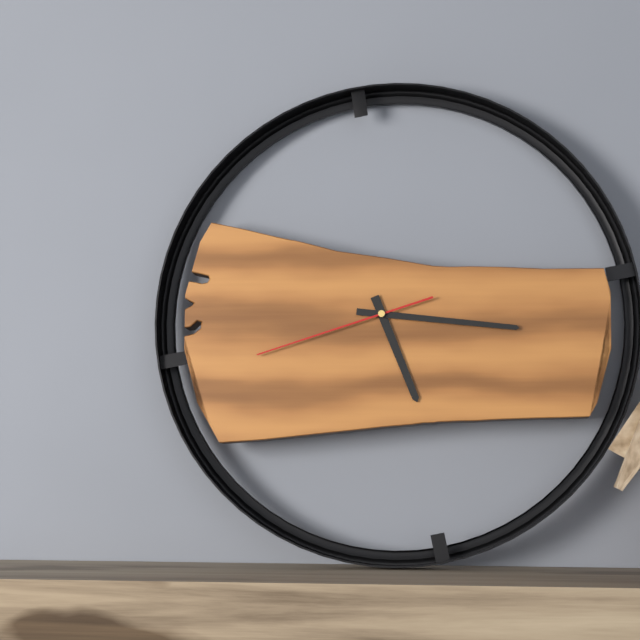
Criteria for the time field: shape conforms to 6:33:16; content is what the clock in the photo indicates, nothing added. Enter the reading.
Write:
5:16:42
